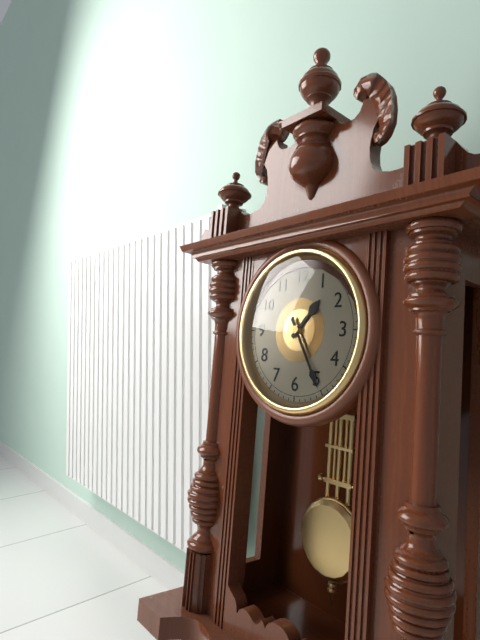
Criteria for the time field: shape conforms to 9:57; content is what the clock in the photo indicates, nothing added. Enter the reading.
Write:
1:25
